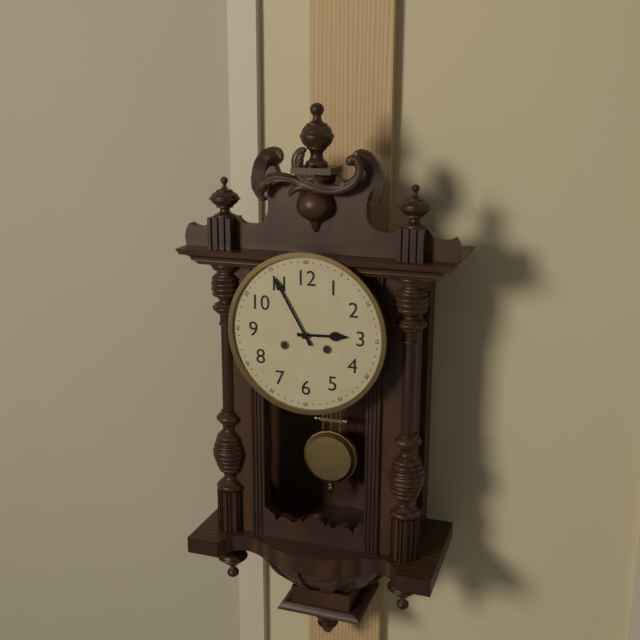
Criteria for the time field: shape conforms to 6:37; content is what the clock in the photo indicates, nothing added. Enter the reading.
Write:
2:55
